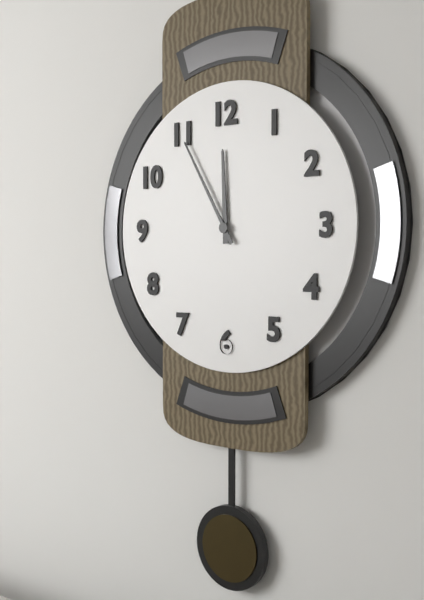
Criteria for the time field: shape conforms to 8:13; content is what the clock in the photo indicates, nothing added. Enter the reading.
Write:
11:55
